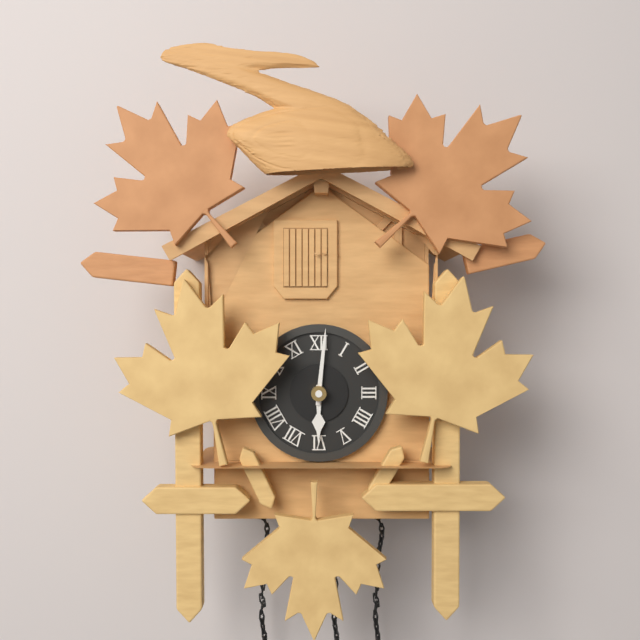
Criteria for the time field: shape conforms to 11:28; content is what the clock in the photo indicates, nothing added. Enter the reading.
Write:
6:01
